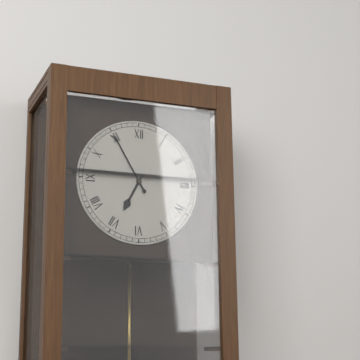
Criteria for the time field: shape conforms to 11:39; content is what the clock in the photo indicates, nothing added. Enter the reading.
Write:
6:55
